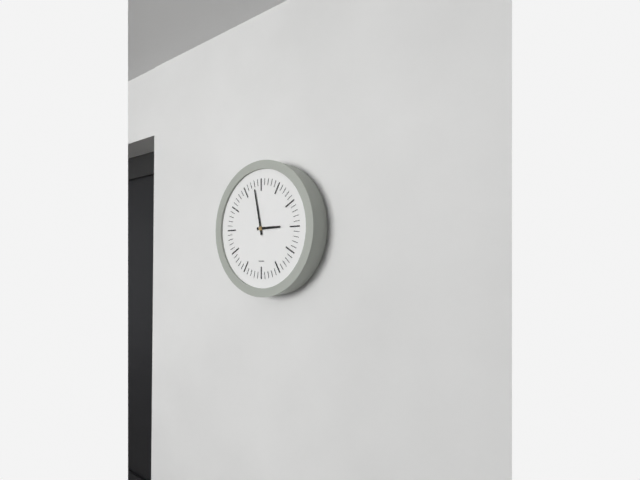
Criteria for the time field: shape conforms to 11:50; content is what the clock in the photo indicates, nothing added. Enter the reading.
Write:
2:58
